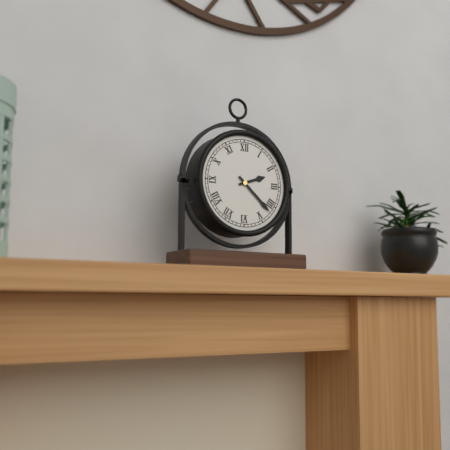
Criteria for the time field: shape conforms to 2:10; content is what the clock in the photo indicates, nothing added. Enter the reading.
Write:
2:22
